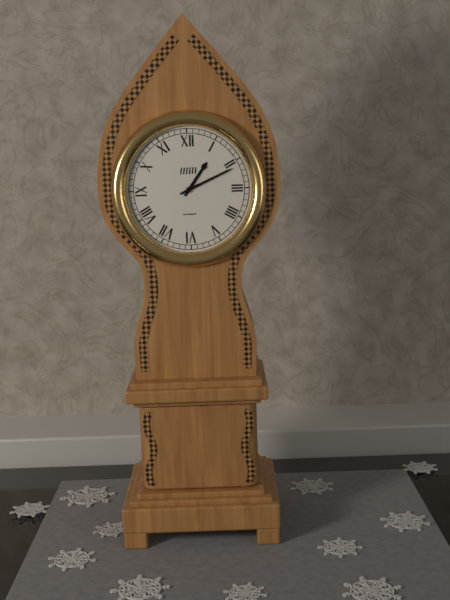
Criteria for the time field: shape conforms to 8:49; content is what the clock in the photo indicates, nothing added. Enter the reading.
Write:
1:11
